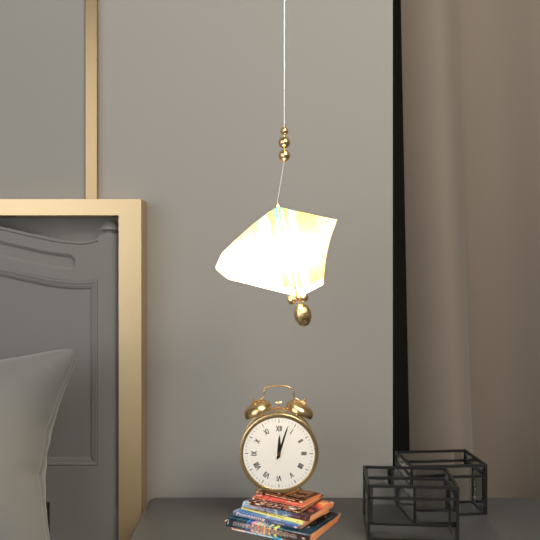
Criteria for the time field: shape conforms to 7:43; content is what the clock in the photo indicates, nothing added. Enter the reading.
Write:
12:03
